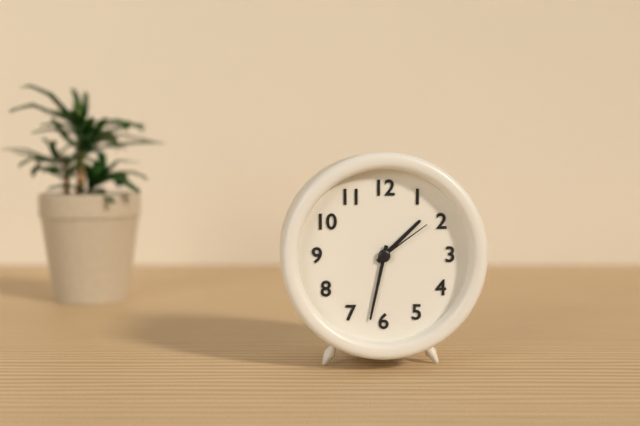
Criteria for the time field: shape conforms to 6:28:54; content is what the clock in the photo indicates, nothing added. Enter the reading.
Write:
1:32:09
